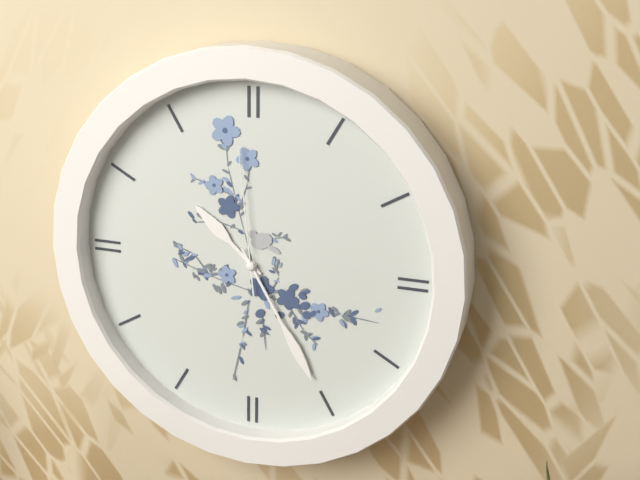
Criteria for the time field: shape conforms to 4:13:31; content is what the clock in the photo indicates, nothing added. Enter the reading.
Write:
10:25:59
